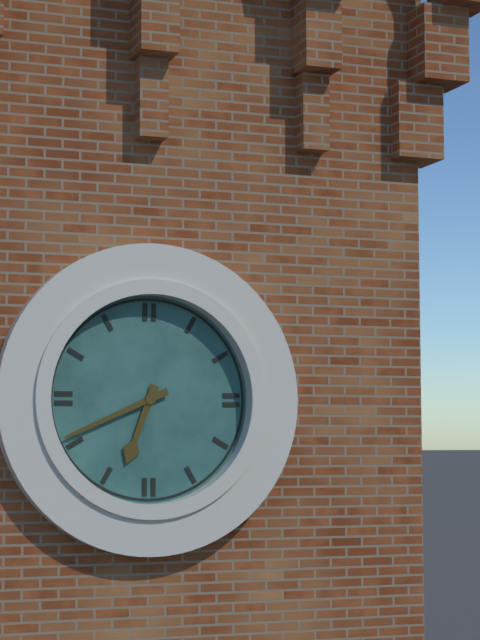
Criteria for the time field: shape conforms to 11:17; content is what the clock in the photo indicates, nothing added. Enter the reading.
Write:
6:41
